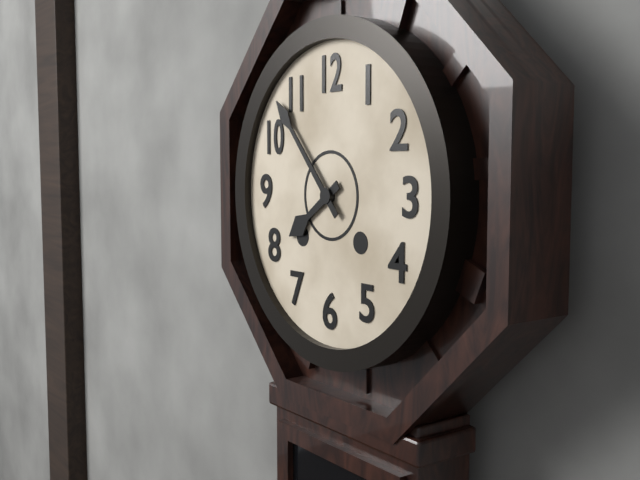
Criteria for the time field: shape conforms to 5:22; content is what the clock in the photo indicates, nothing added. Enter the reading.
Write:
7:53
